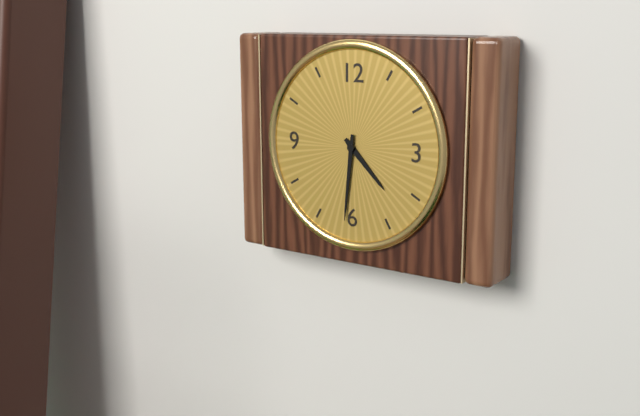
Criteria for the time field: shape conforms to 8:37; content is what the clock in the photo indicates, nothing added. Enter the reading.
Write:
4:31
